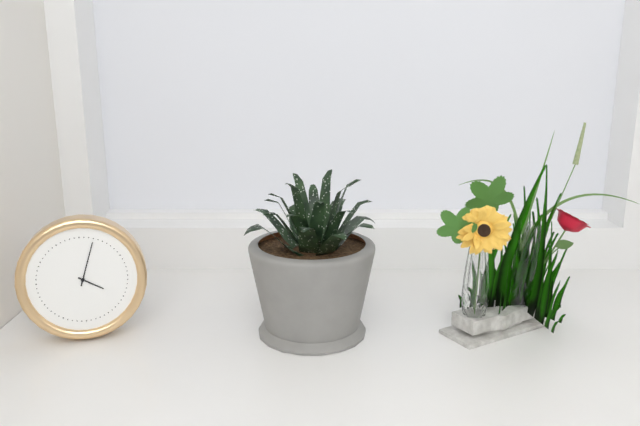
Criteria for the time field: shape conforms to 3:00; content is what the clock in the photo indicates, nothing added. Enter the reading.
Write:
4:03
